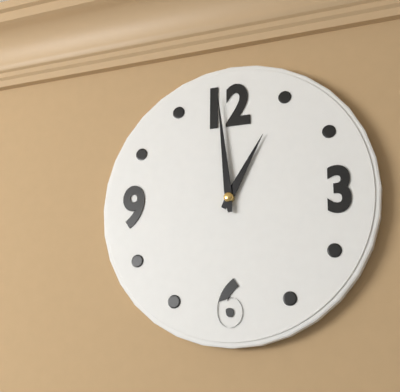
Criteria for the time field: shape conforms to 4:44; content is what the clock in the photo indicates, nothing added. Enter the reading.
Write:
12:59
